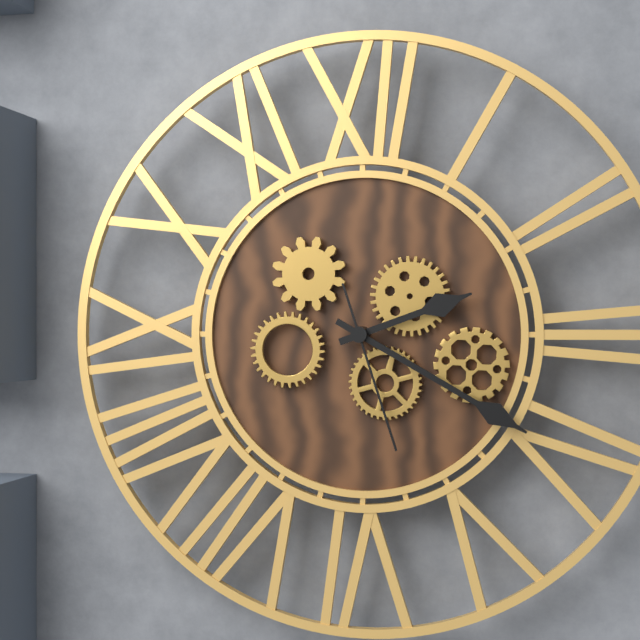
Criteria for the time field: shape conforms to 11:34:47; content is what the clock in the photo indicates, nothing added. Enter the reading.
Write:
2:20:27
